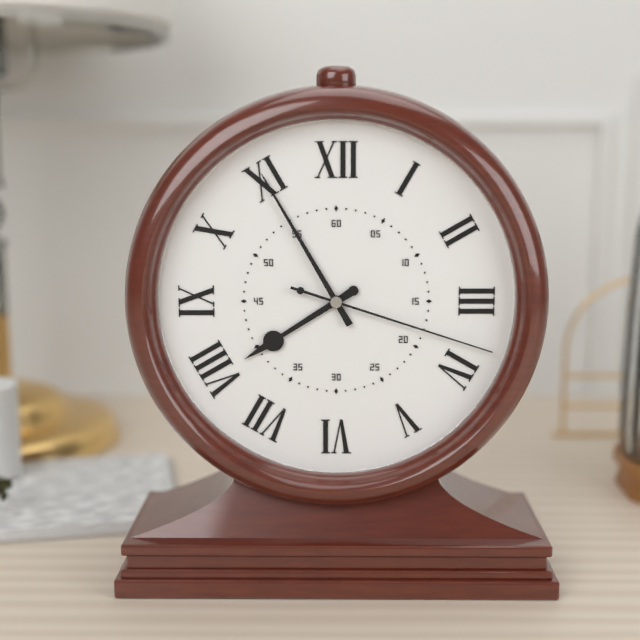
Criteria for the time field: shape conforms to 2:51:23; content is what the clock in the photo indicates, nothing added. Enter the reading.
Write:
7:55:18
